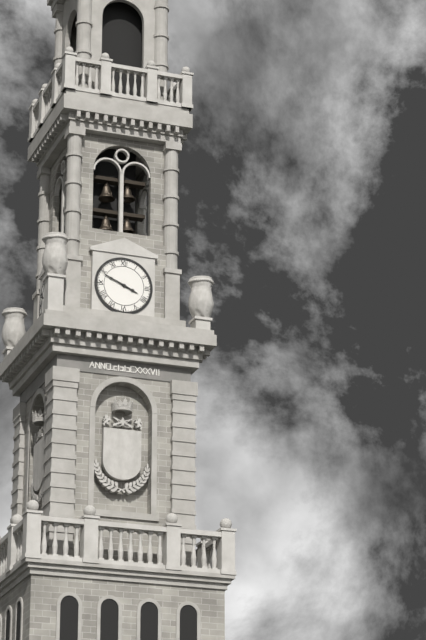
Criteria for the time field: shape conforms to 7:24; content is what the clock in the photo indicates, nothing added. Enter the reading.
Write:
3:49
